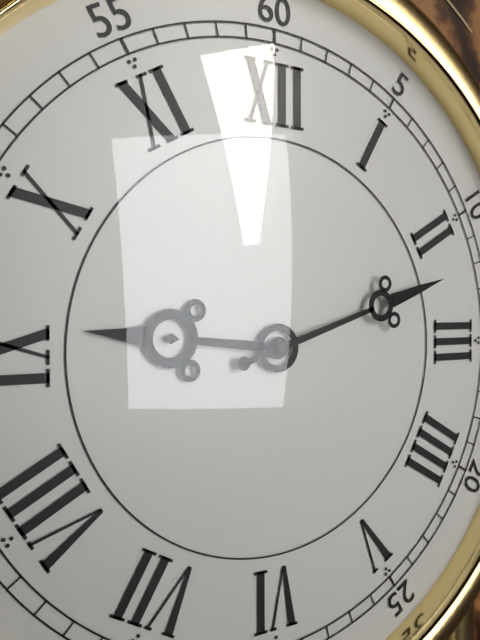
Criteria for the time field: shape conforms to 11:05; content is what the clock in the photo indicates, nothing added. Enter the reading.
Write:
9:12
